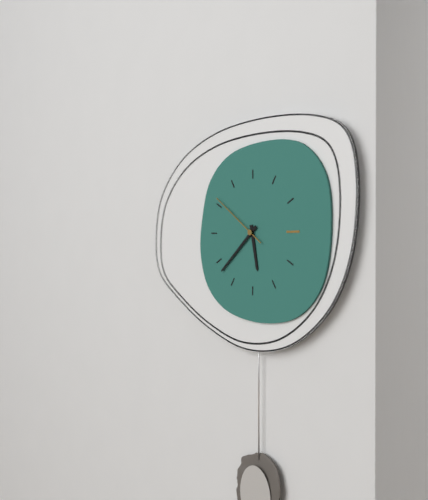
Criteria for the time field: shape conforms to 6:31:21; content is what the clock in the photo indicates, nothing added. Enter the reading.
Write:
5:38:51
